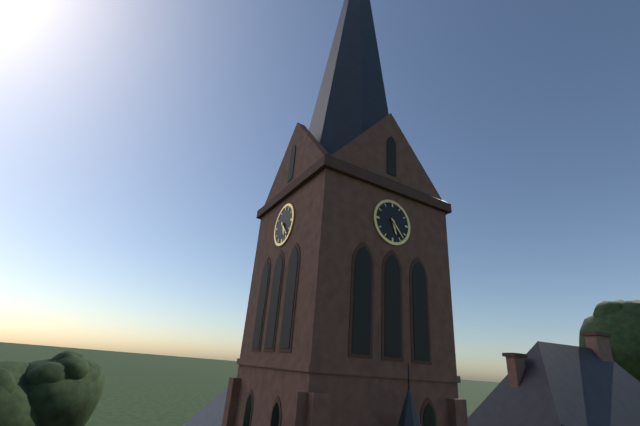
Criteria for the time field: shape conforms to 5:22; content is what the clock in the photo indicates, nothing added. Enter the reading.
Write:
5:23
